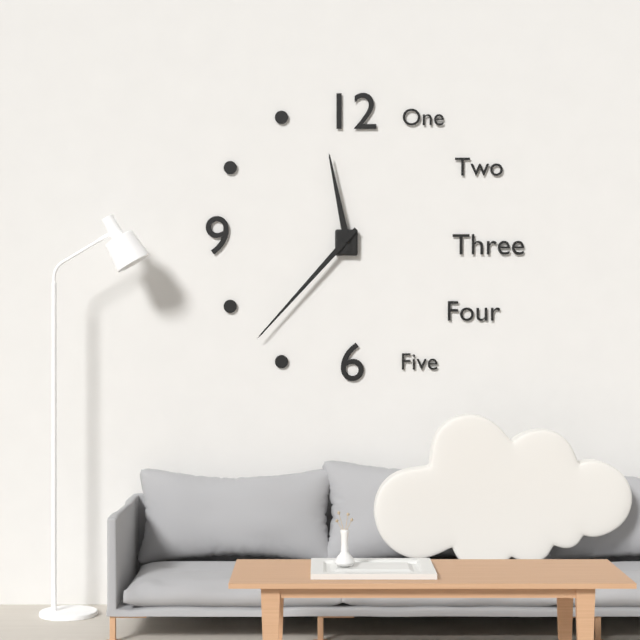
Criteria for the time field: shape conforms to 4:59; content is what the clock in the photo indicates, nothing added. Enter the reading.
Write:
11:37
